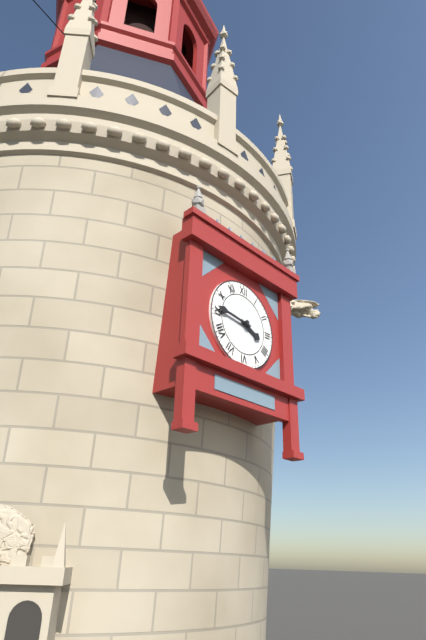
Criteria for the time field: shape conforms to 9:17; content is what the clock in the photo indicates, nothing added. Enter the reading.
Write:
3:46
